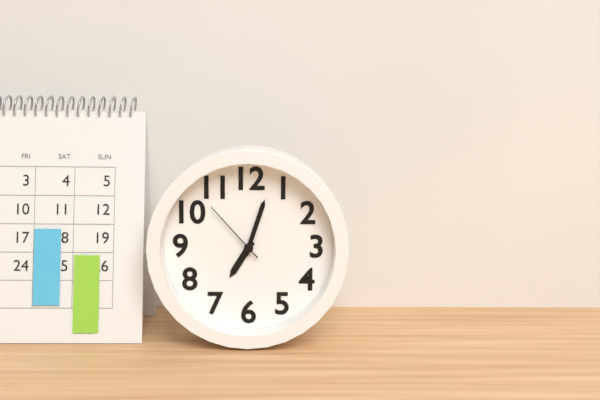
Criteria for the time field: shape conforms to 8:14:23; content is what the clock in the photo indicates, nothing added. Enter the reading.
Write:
7:03:53
